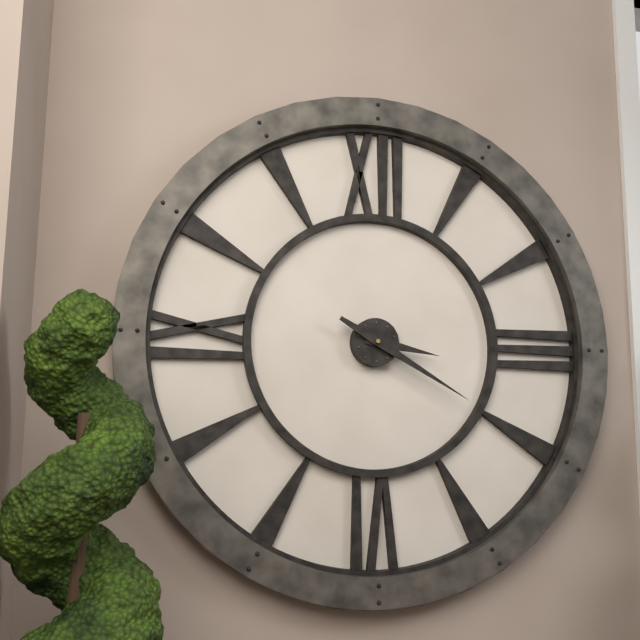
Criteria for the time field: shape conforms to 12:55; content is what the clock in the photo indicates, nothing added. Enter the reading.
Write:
3:20
